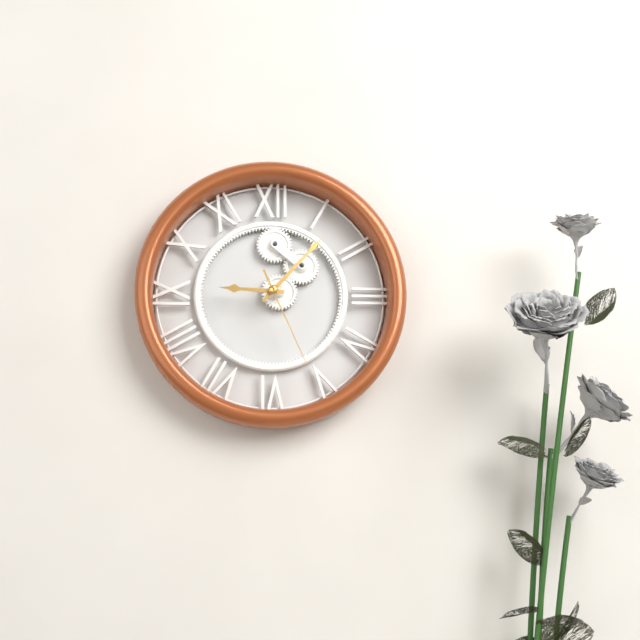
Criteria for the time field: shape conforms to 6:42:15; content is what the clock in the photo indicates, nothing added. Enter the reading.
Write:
9:07:26
